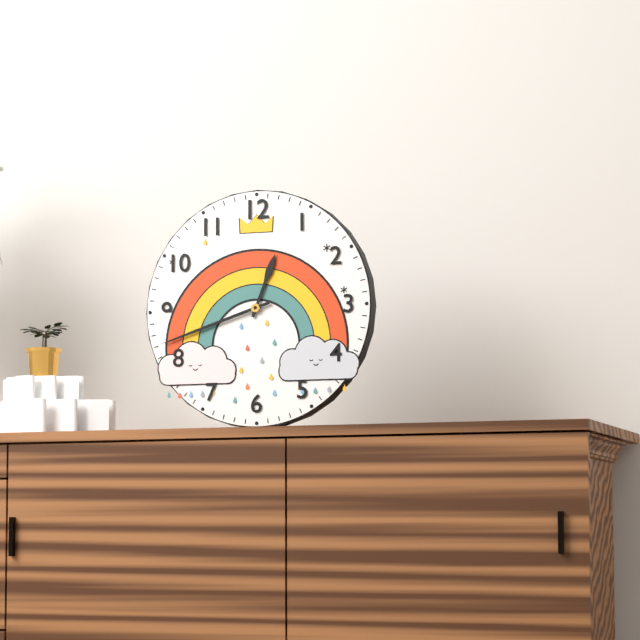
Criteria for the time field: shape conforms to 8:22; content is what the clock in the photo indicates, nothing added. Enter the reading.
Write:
12:42
